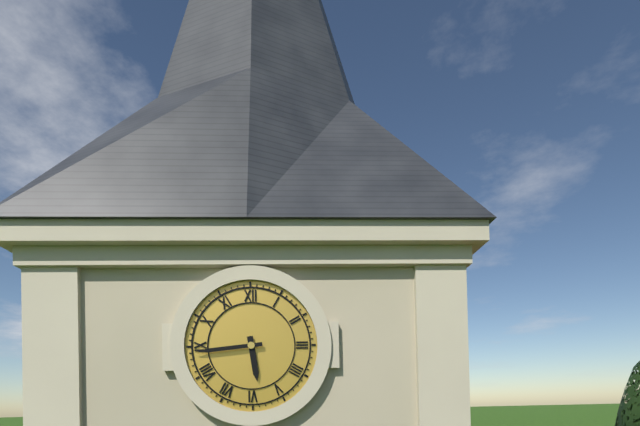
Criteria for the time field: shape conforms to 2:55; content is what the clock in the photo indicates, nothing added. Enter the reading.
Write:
5:44
